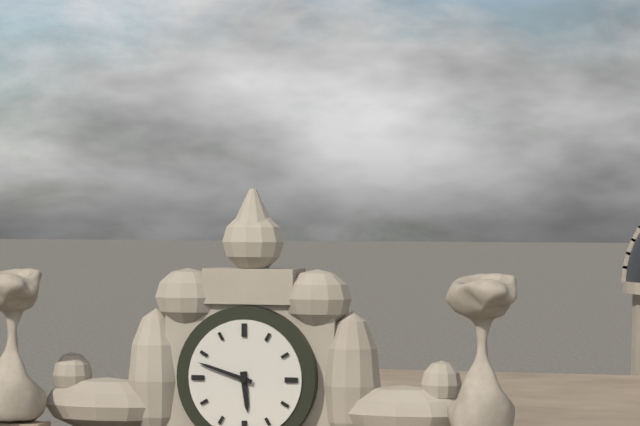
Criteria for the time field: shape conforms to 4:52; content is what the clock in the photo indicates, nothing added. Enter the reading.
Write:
5:48
